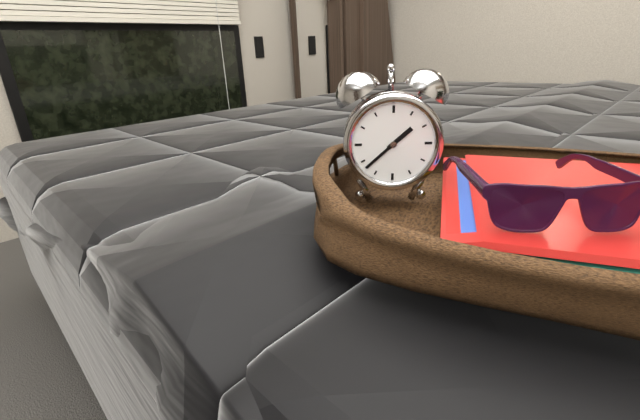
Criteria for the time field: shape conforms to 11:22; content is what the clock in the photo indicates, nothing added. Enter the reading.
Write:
1:38
